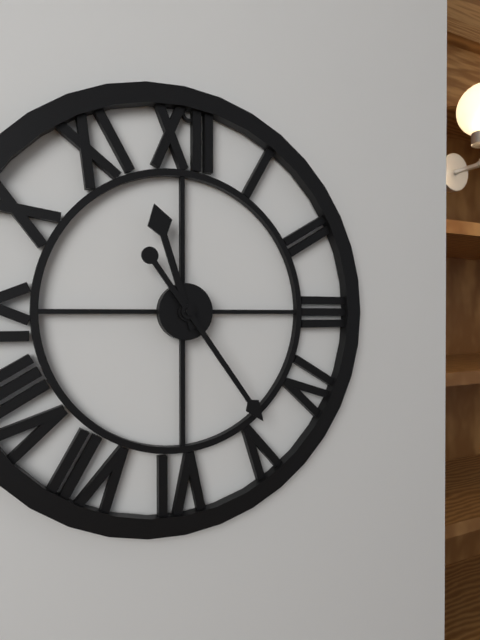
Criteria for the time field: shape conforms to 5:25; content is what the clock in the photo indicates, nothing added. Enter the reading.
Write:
11:24
